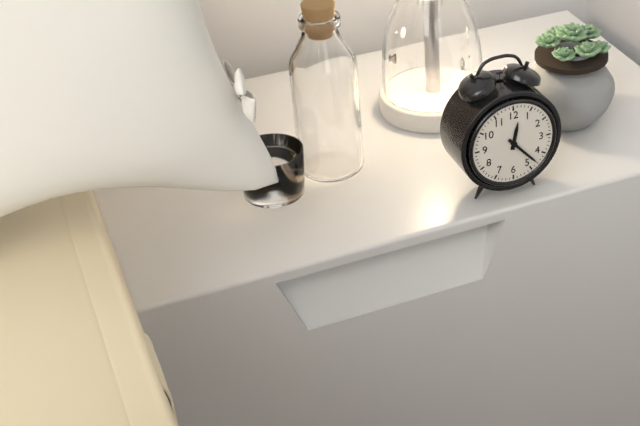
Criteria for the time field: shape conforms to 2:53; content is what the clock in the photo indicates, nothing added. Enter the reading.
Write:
12:23
